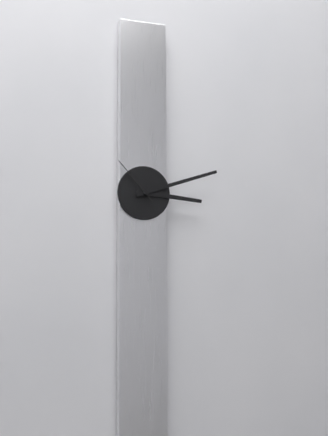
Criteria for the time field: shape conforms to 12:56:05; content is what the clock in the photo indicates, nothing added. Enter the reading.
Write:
3:12:53
